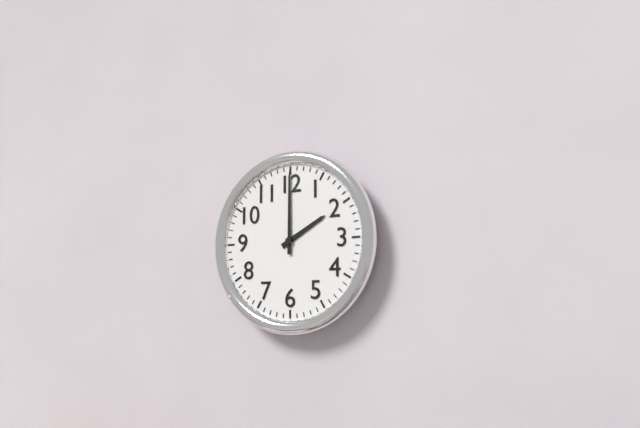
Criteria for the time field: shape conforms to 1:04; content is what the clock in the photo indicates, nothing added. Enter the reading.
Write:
2:00
